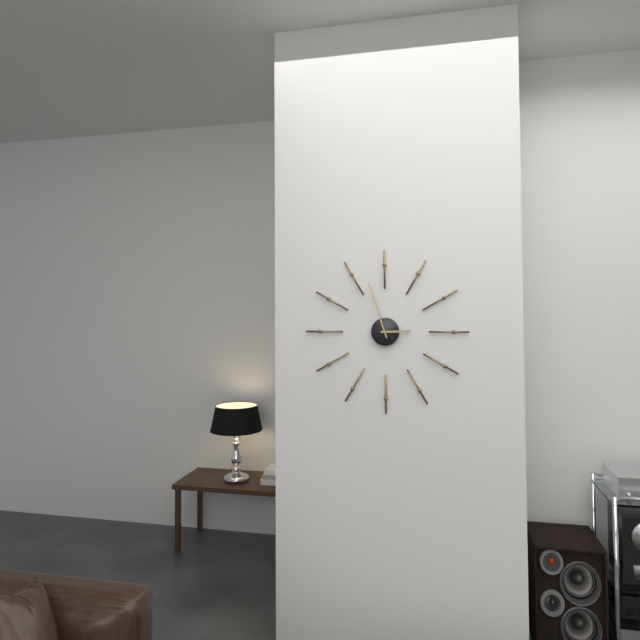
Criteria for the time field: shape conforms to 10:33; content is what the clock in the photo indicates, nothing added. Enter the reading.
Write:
2:57
